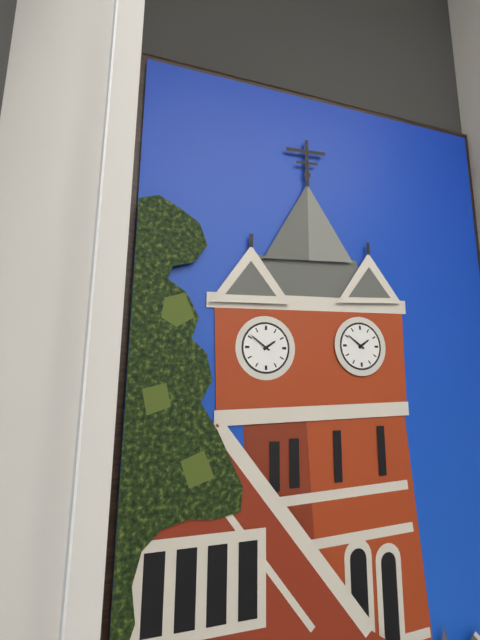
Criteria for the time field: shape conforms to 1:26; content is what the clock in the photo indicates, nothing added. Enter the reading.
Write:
1:51
